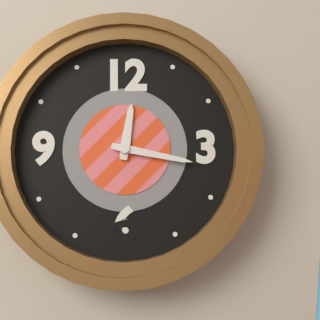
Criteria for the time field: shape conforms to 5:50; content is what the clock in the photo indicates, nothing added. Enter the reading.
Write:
12:17
